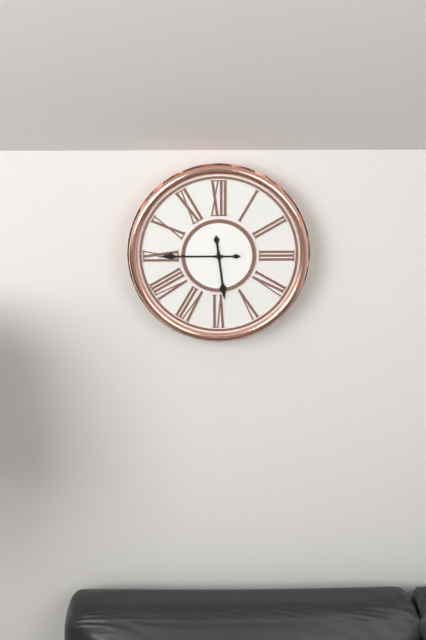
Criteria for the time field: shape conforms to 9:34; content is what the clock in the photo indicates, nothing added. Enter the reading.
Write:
5:45
